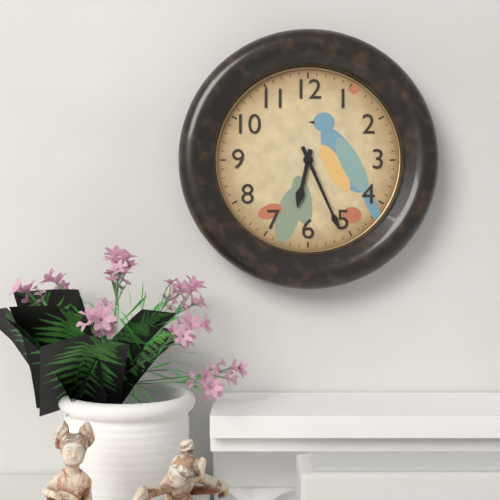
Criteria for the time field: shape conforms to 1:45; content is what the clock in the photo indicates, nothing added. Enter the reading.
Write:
6:26
